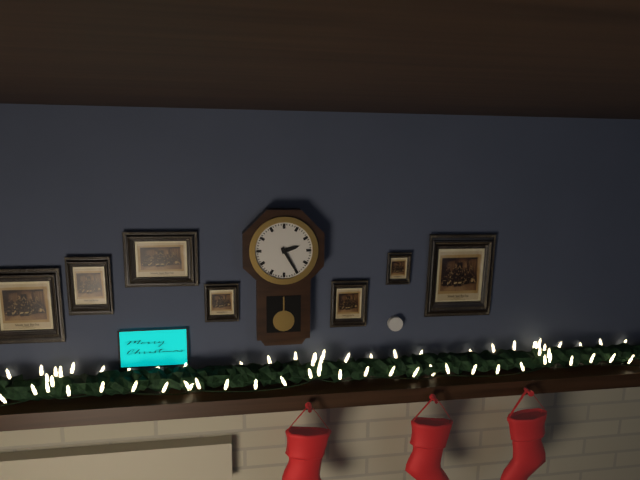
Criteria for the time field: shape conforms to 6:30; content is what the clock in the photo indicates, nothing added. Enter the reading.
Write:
2:25
